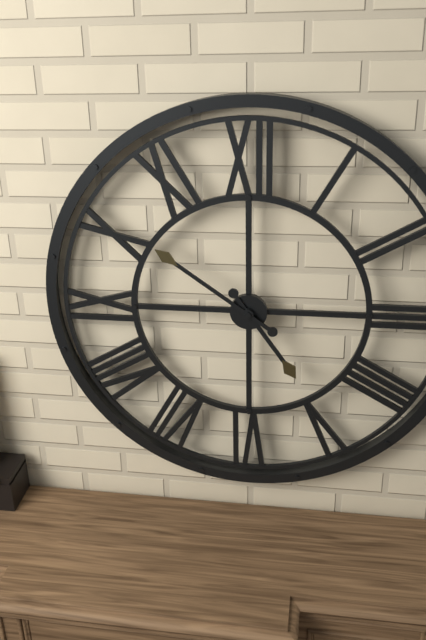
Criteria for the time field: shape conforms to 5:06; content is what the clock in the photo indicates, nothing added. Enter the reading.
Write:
4:51
